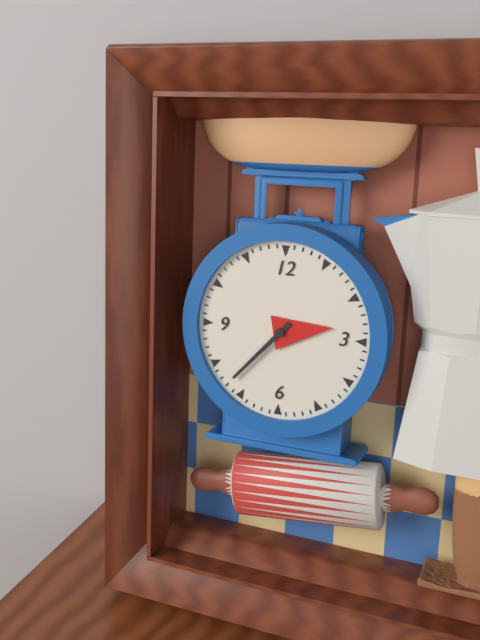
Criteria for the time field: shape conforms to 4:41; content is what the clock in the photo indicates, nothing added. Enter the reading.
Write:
2:37
